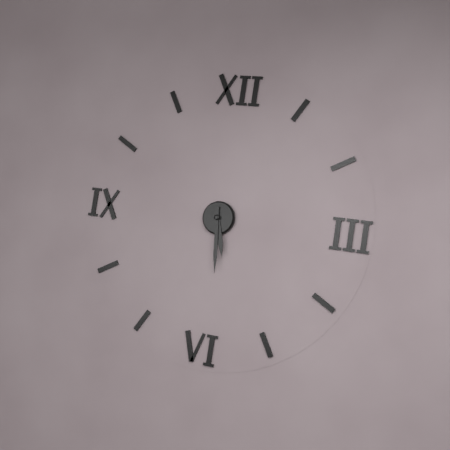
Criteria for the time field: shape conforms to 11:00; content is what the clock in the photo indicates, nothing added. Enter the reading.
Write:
5:29
